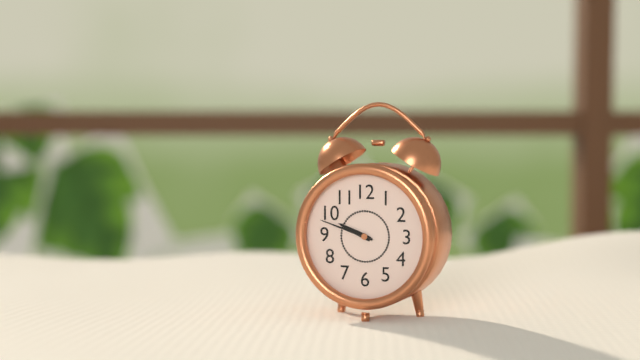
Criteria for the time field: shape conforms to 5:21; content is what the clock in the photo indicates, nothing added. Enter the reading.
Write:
9:48
